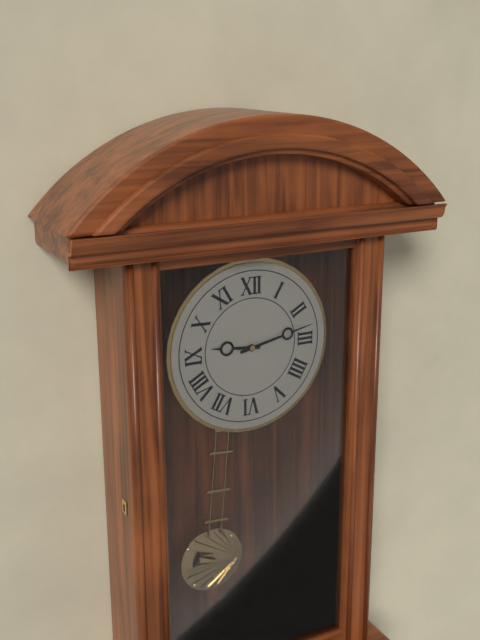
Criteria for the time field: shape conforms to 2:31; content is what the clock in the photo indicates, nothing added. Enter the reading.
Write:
9:13
